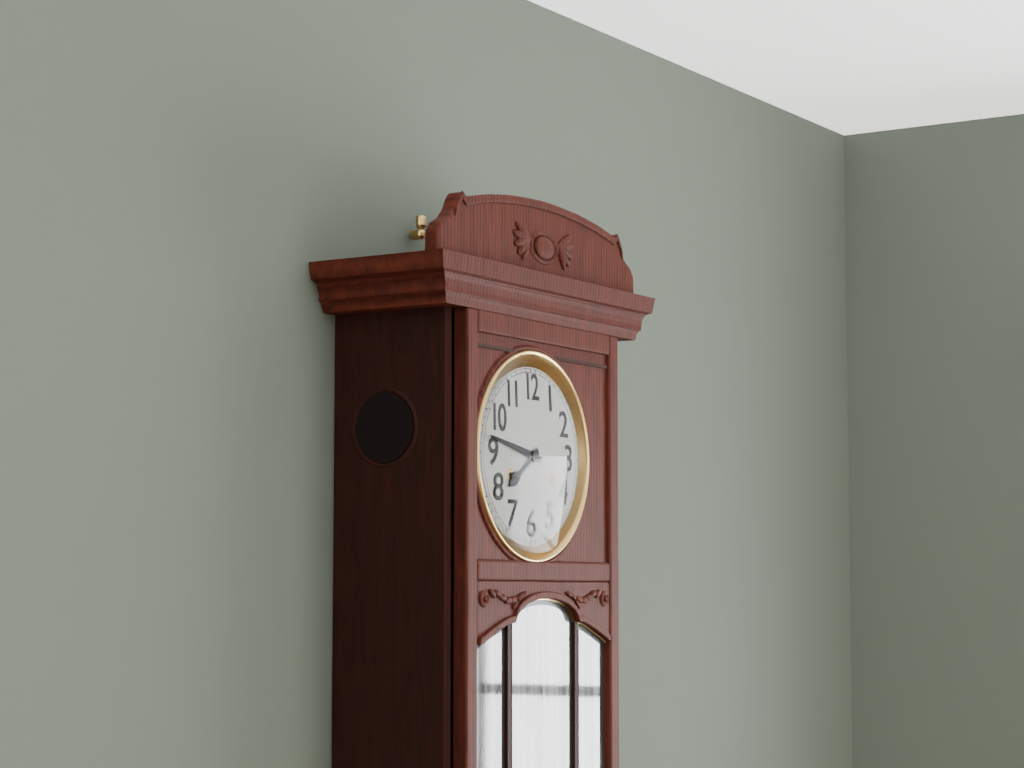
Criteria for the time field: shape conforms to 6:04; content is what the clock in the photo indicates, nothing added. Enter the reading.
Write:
7:47
